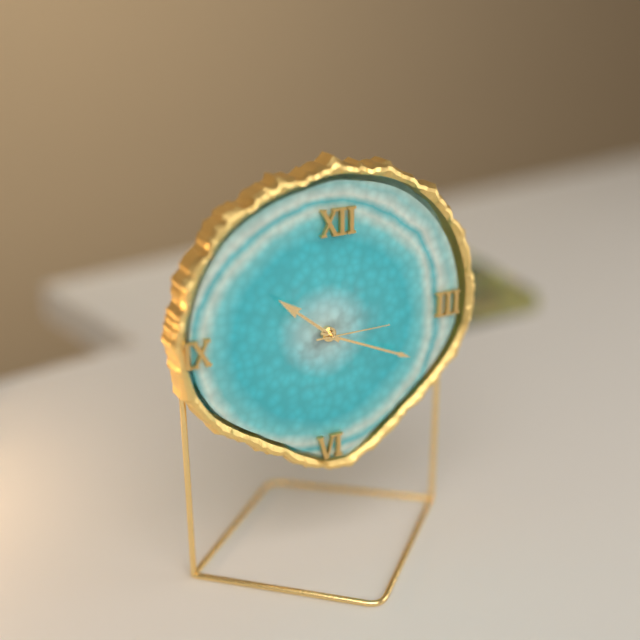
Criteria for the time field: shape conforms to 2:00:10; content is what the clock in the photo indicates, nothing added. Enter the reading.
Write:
10:19:15
